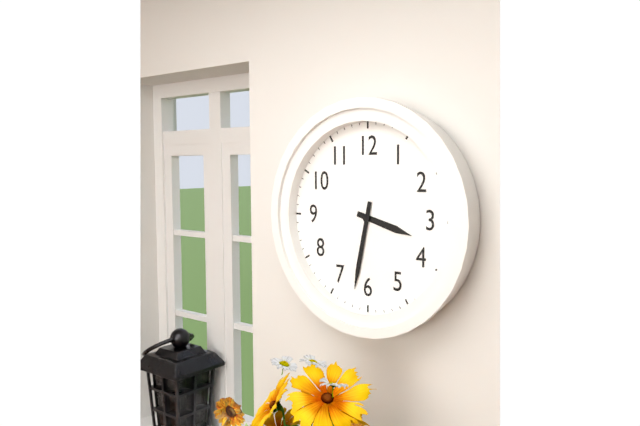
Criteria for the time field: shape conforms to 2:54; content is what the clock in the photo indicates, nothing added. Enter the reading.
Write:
3:32
